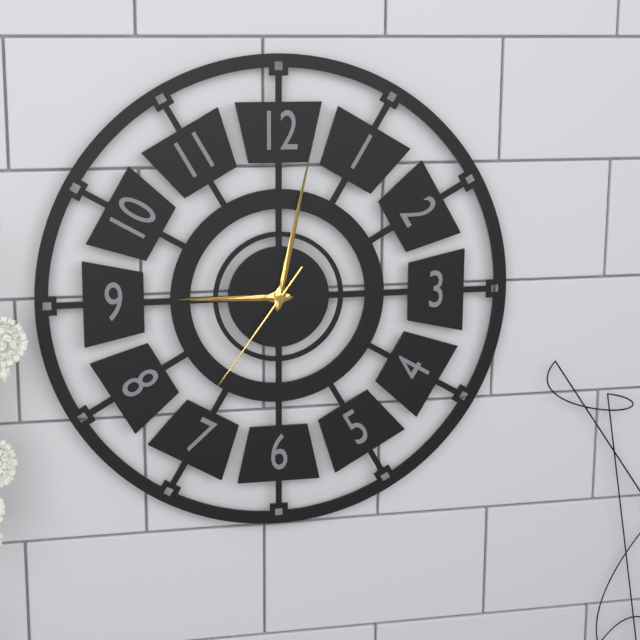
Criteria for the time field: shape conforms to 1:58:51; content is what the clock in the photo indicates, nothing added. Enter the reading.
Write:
9:02:36
